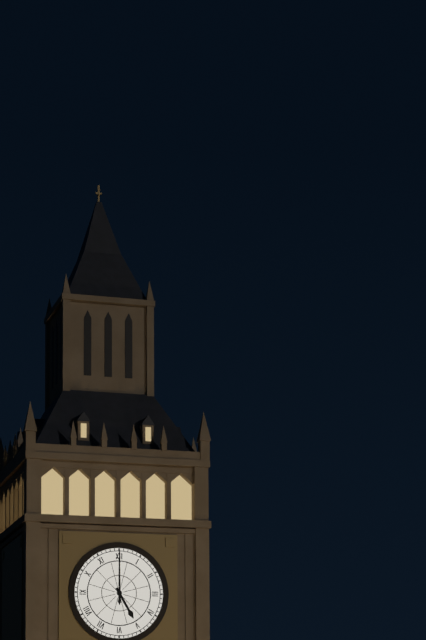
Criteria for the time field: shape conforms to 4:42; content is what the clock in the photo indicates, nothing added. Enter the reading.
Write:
5:00
